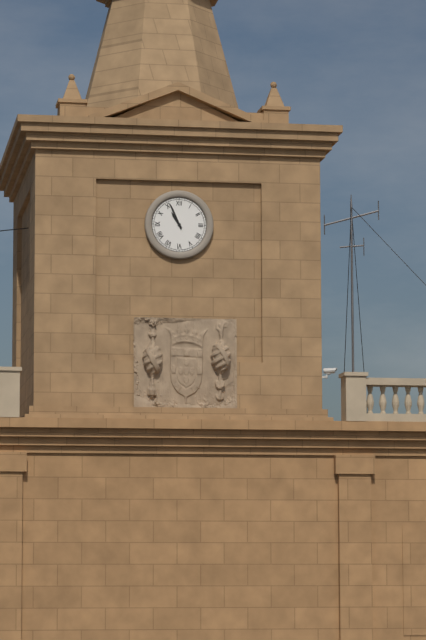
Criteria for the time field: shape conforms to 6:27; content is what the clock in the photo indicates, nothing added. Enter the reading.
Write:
10:56
